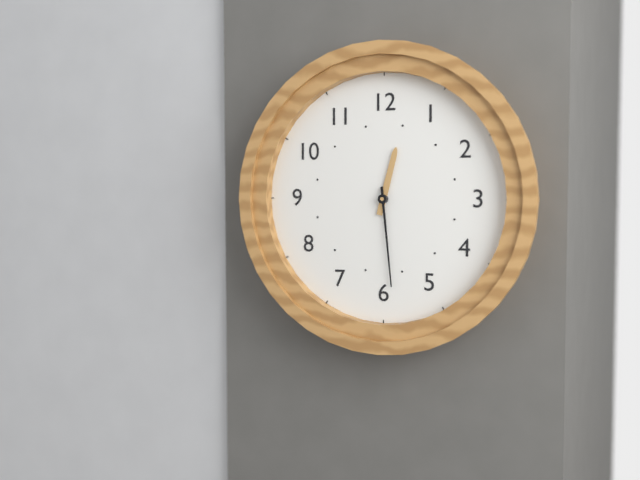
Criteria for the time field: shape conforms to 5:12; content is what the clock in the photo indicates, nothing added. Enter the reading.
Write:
12:29
